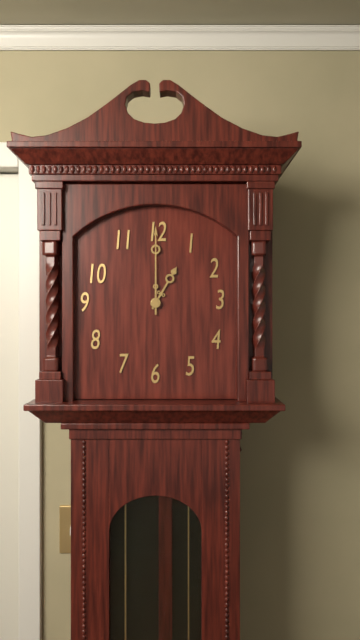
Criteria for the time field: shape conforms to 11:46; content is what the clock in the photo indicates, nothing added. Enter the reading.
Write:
1:00
